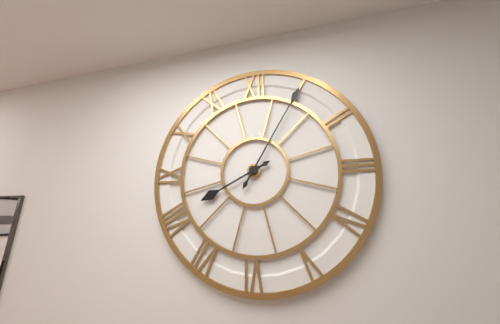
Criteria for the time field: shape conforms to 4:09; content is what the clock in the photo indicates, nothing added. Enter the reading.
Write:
8:05
